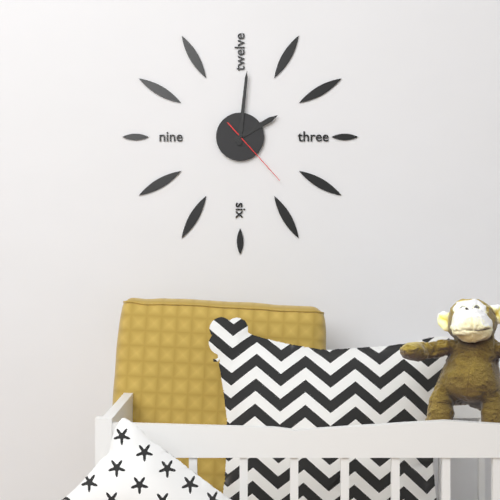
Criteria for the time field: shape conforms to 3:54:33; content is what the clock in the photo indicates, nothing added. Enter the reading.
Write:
2:01:23
